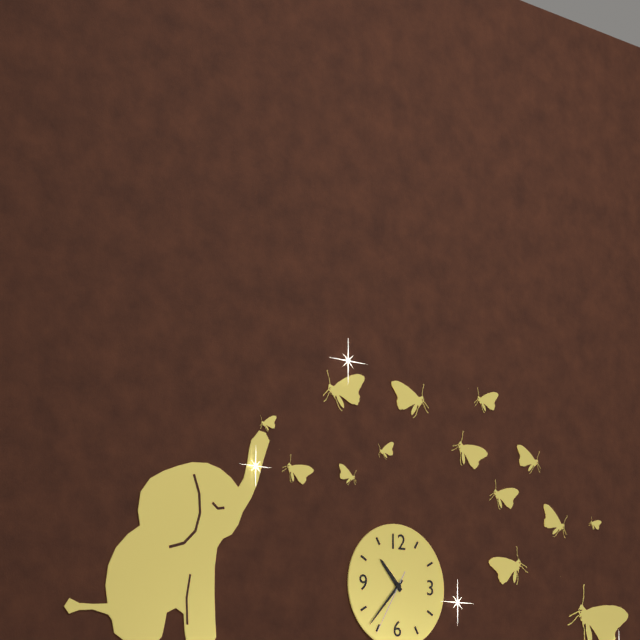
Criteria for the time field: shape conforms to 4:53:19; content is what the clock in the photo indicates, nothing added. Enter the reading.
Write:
10:37:35
